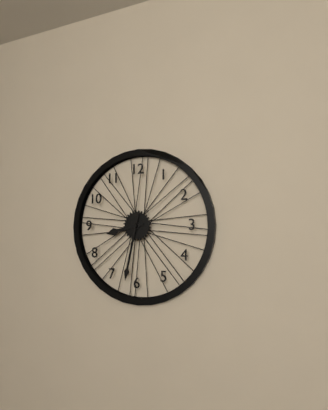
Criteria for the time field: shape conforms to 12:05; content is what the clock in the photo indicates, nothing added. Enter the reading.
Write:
8:32
